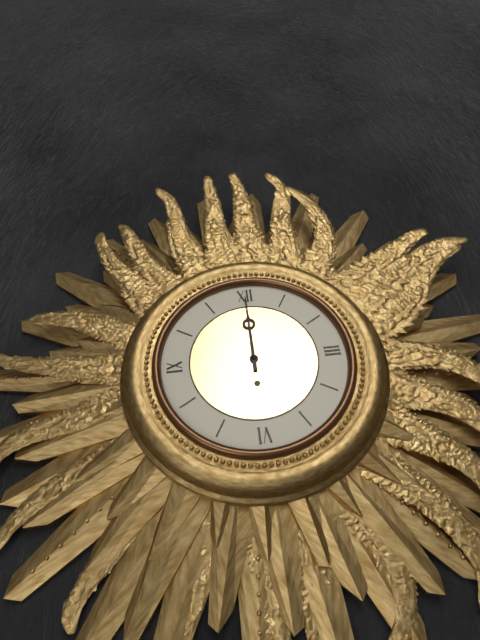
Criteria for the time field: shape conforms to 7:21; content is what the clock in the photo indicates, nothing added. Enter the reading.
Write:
12:00
